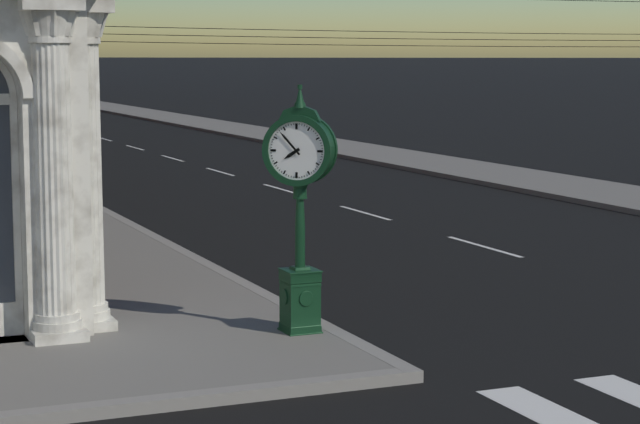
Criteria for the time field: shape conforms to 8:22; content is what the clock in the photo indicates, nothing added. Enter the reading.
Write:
7:53
